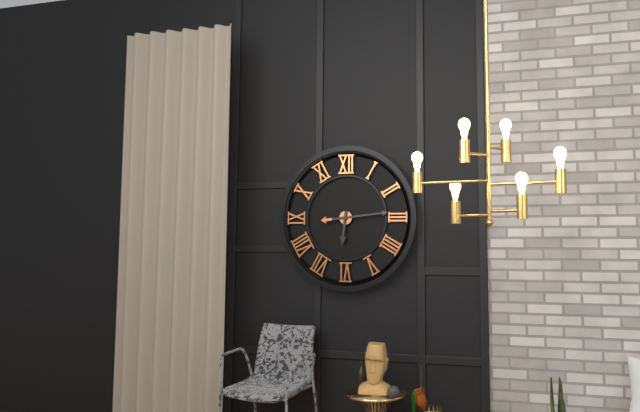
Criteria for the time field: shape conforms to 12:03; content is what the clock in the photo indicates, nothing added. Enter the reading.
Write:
6:14
